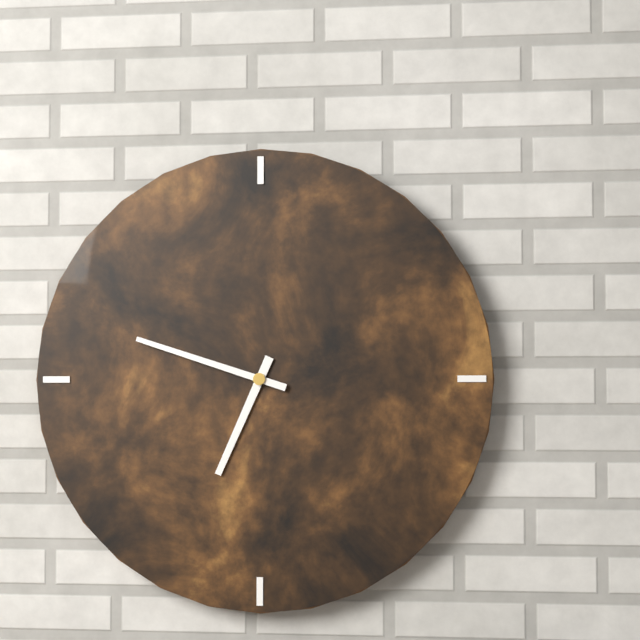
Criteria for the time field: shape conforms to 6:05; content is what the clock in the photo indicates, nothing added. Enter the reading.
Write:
6:48
